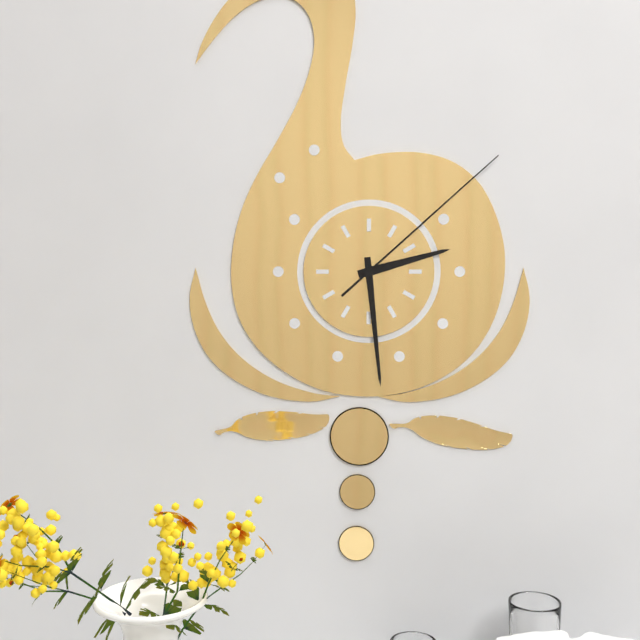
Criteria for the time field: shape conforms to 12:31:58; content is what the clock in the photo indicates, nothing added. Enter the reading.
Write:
2:29:08
